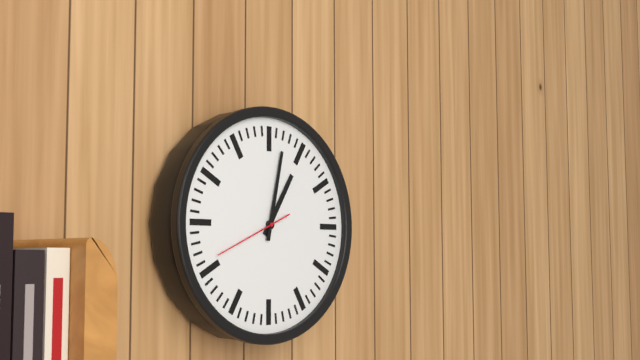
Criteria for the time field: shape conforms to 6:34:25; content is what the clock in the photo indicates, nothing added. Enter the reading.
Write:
1:02:41
